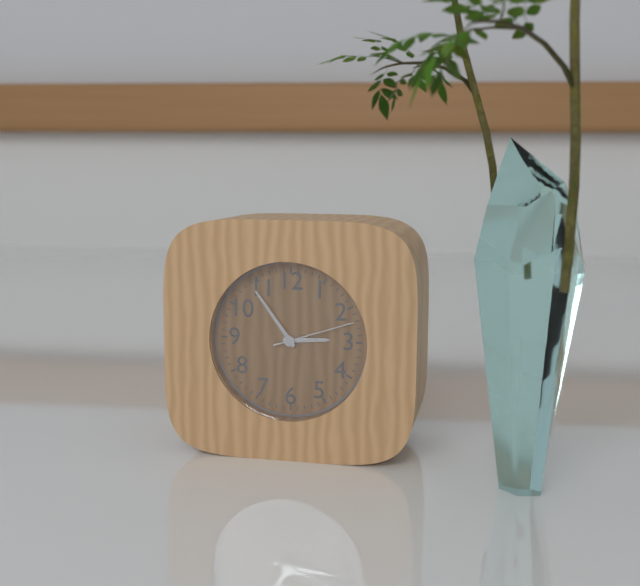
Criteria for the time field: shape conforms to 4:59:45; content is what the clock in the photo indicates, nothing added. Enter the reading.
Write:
2:54:12
